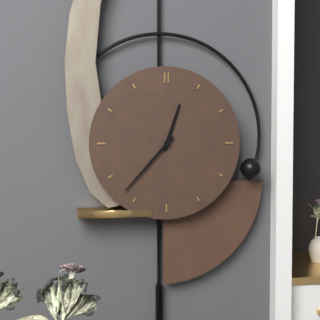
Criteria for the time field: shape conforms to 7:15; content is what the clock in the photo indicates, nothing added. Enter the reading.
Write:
12:37
